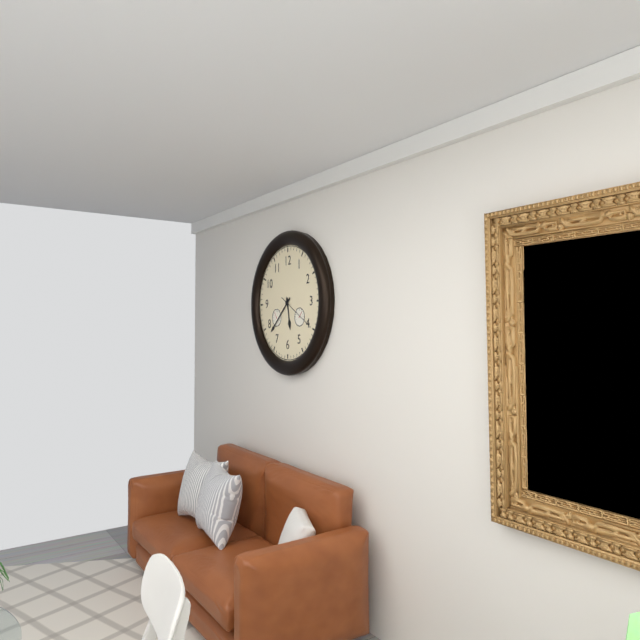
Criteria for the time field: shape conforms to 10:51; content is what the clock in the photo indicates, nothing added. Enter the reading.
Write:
5:38
